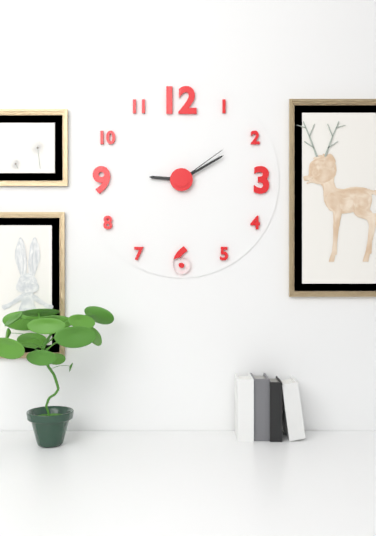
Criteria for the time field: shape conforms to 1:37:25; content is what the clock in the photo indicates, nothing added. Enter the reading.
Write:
9:10:09
